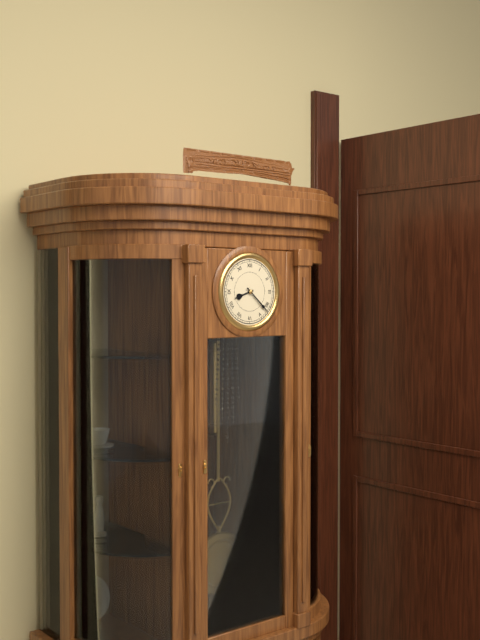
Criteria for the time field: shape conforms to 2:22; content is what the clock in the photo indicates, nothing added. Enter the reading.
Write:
8:22
